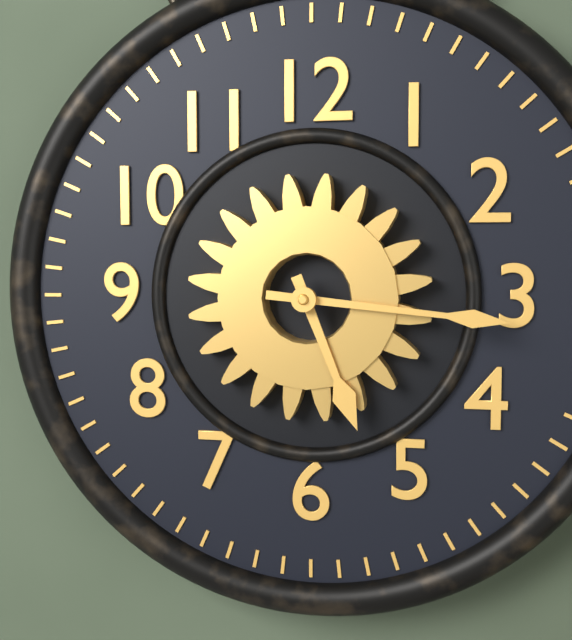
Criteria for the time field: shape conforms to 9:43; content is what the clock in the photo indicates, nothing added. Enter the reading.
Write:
5:16
